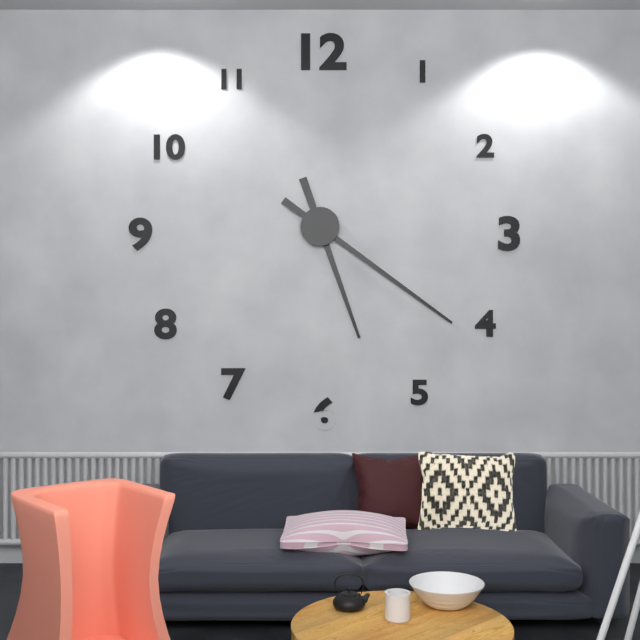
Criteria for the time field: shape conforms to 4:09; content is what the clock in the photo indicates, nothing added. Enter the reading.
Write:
5:21
